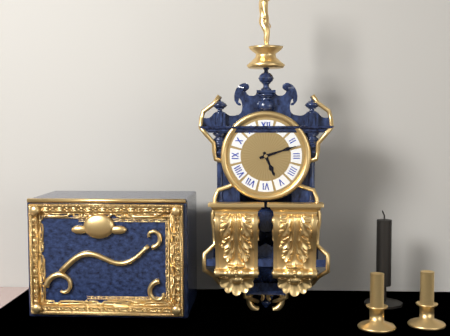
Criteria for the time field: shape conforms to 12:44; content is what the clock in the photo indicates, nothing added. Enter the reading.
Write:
5:12
